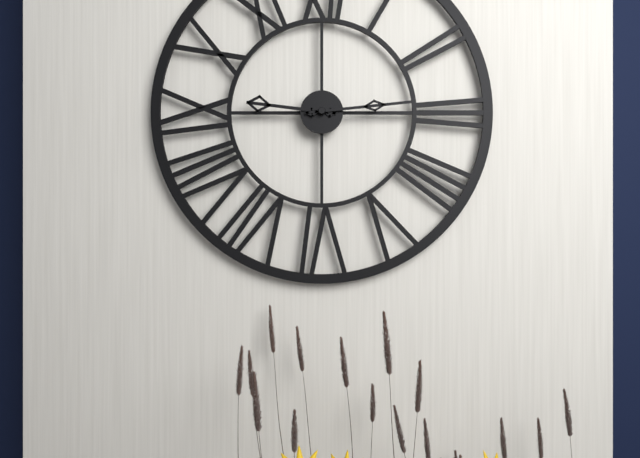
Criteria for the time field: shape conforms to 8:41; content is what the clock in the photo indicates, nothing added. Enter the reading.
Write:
9:14
